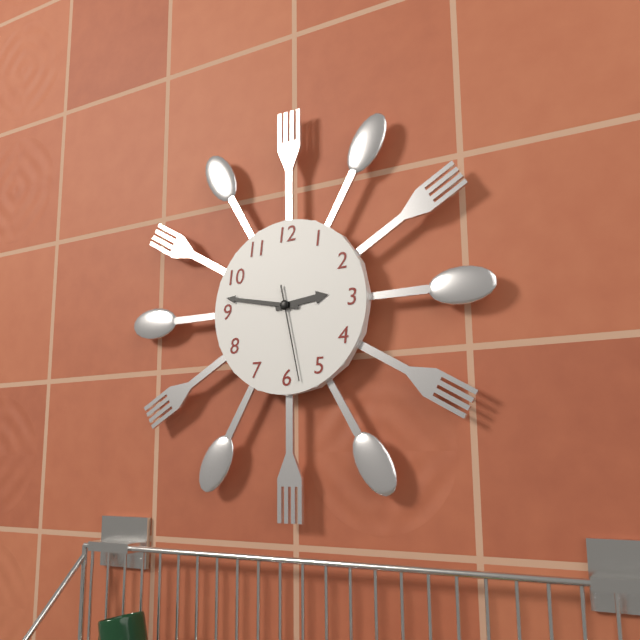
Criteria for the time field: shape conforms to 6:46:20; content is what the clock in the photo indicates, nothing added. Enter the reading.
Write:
2:47:28
